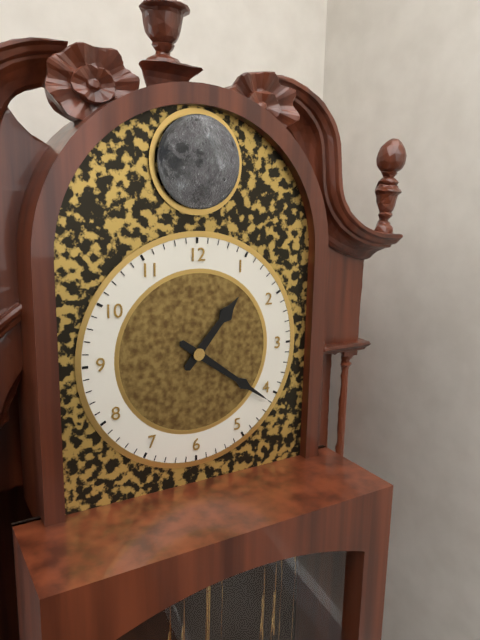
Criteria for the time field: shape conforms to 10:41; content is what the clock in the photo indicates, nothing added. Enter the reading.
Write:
1:21
